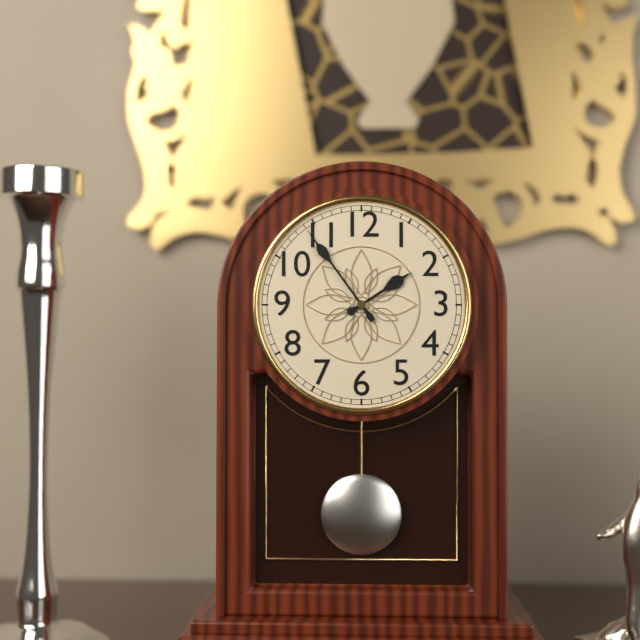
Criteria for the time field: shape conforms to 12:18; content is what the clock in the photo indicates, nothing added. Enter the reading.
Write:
1:54
